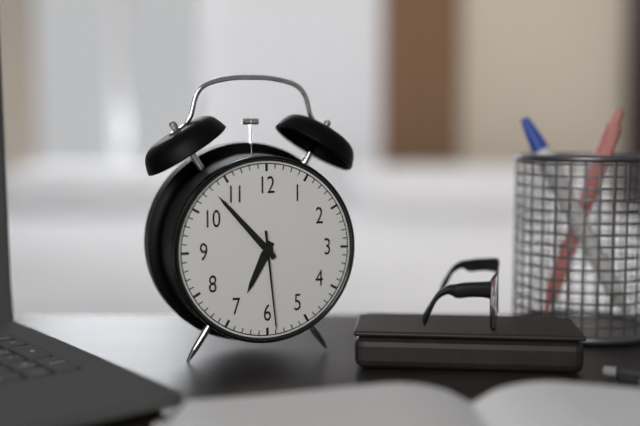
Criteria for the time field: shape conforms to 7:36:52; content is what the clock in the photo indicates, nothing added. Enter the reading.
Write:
6:53:29
